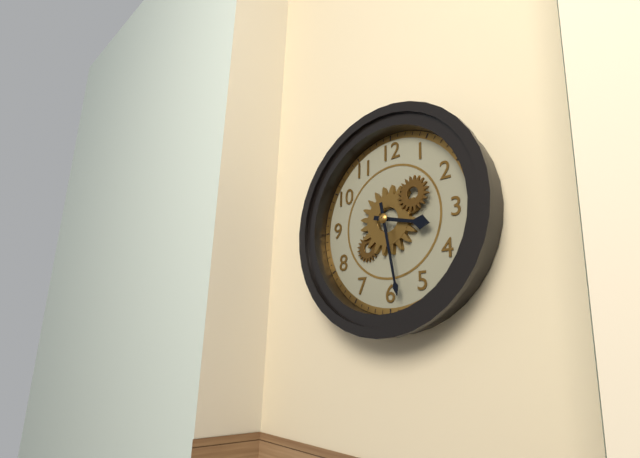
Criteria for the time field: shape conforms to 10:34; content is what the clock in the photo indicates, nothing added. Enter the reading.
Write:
3:28
